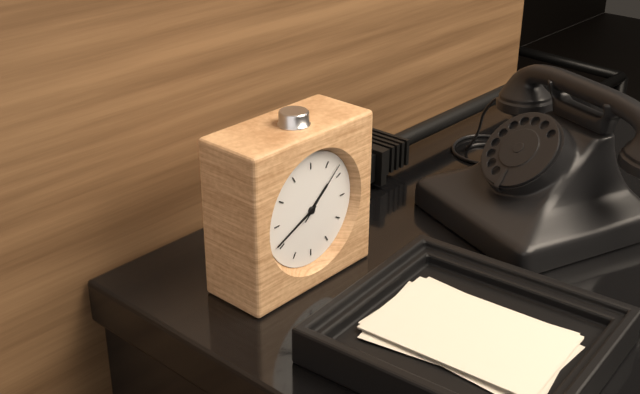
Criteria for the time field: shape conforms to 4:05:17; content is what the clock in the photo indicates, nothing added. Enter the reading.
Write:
1:41:08
